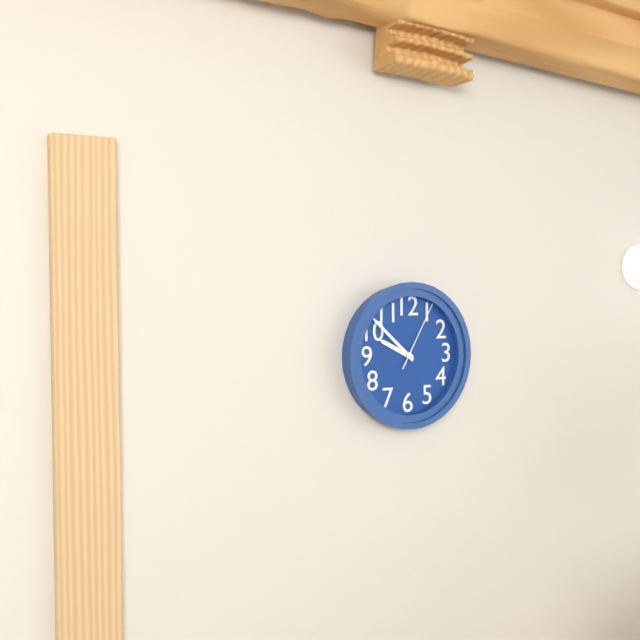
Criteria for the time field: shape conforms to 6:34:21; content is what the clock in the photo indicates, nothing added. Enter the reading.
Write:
9:52:05
